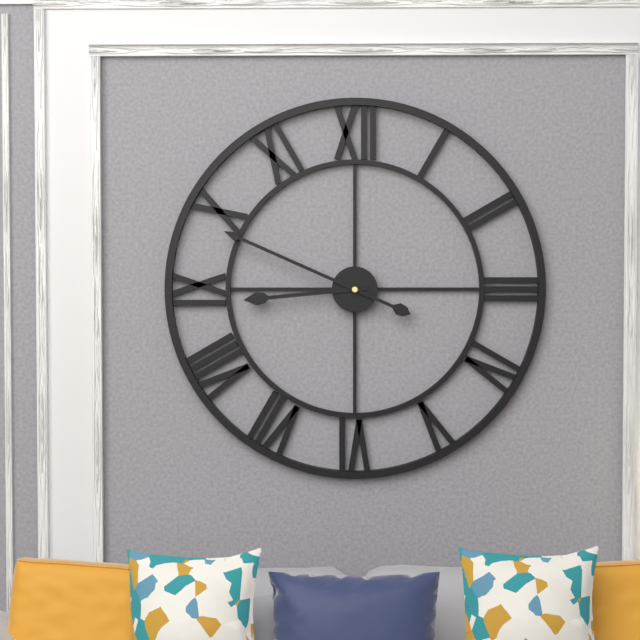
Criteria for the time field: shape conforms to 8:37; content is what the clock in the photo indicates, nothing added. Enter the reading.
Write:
8:49
